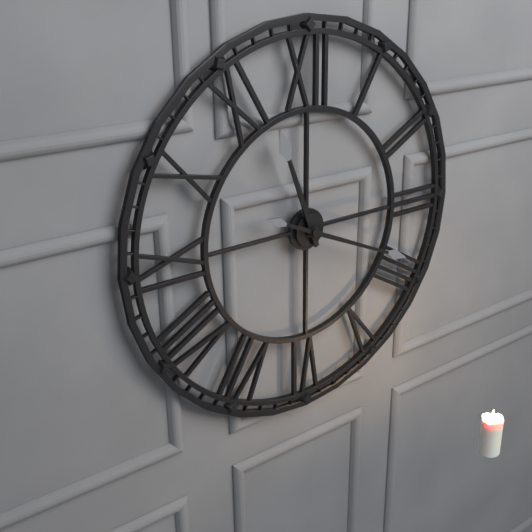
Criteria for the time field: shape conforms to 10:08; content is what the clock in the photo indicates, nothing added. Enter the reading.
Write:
11:19
